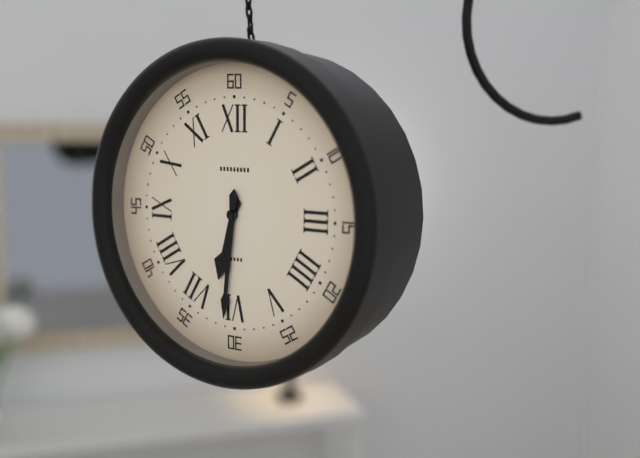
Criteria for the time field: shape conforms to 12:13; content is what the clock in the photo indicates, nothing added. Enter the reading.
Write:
6:31
